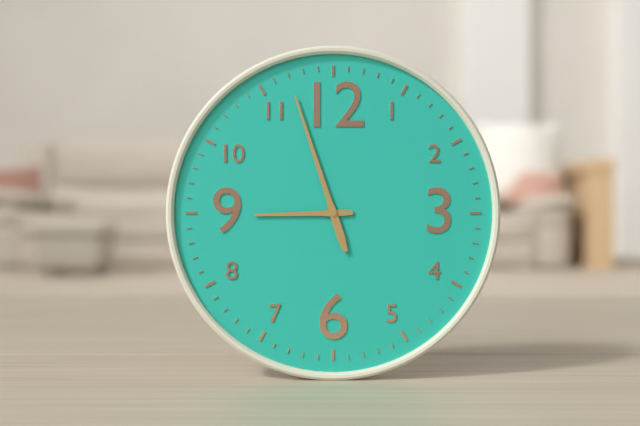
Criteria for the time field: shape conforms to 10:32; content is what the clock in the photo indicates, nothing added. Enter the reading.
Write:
8:57
